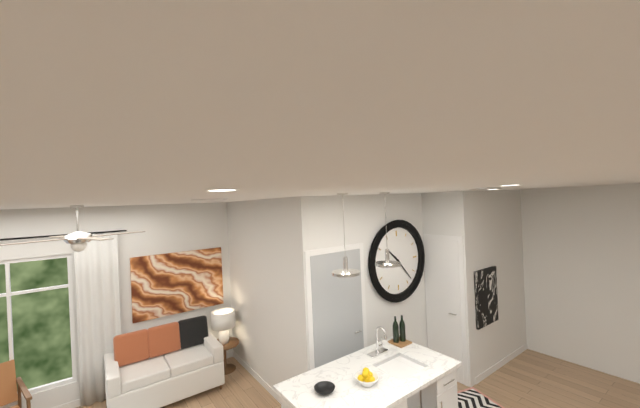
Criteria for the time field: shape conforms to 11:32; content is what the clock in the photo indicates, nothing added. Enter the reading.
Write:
10:23
